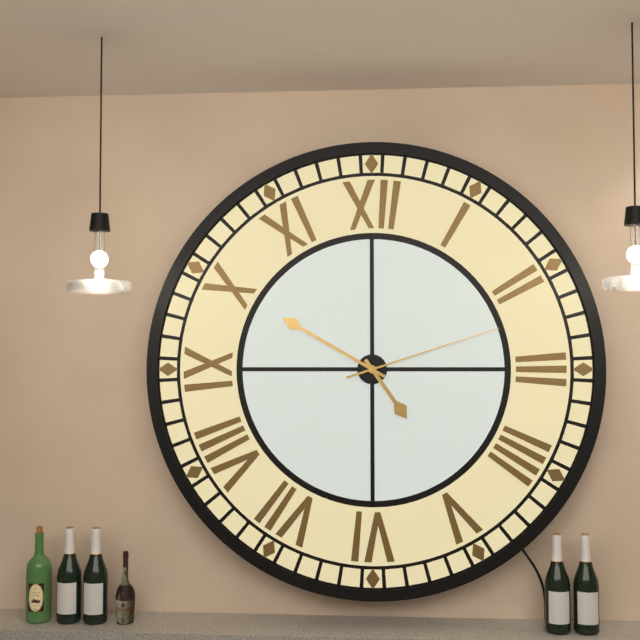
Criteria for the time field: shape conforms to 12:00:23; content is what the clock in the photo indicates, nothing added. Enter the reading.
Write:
4:50:12
